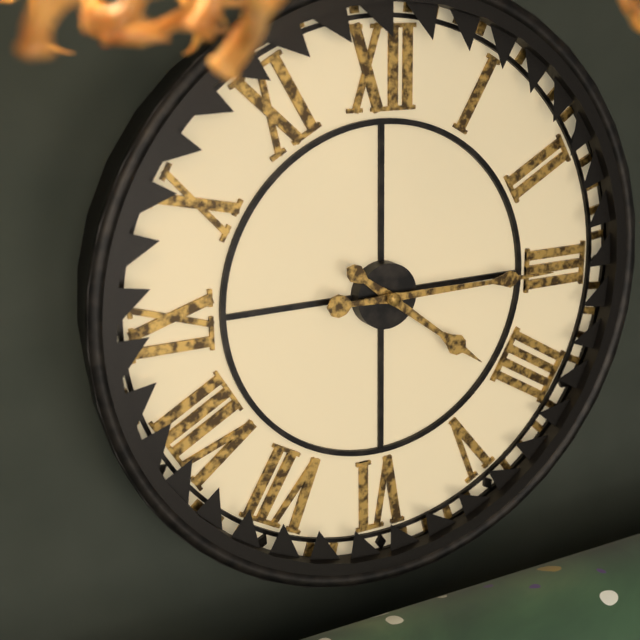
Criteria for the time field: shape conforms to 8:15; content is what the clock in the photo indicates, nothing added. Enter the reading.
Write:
4:15
